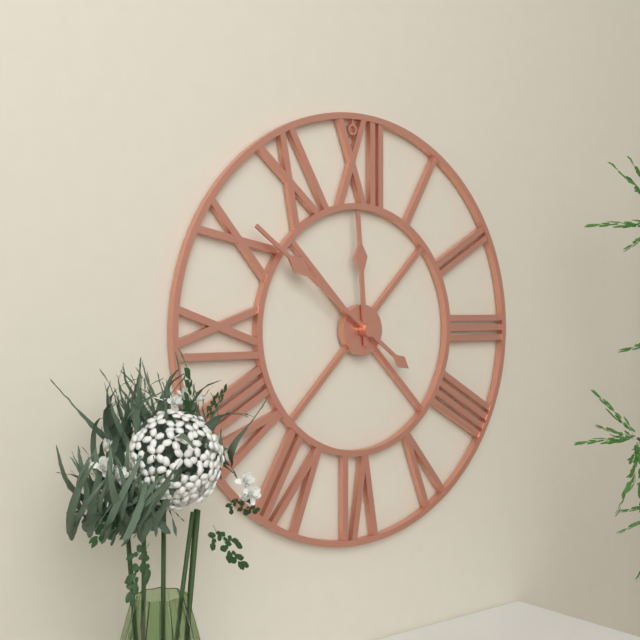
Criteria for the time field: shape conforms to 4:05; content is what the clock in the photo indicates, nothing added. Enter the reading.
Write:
11:51
